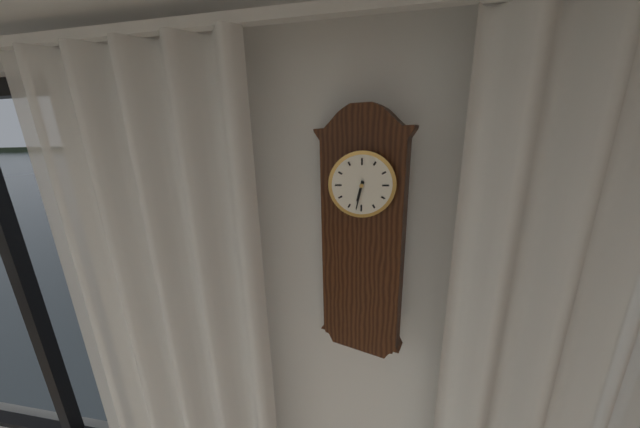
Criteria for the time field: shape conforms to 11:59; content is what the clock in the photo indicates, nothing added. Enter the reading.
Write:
6:32
